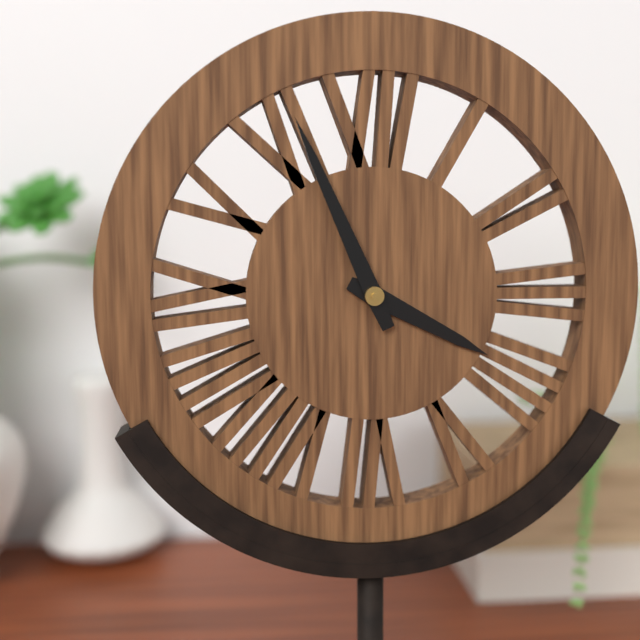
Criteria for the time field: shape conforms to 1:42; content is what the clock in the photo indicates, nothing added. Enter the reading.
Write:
3:56
